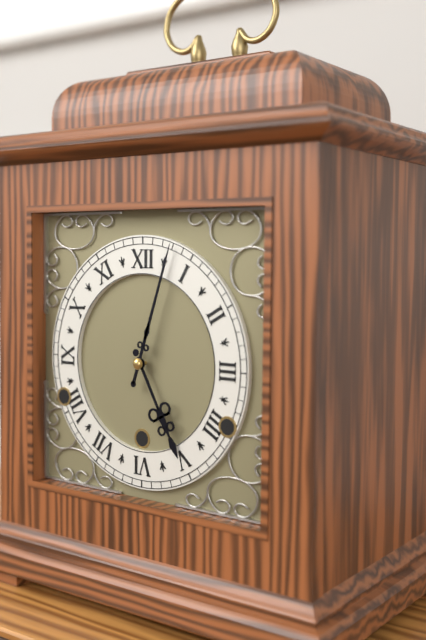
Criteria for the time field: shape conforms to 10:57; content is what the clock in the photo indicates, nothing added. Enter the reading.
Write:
5:03
